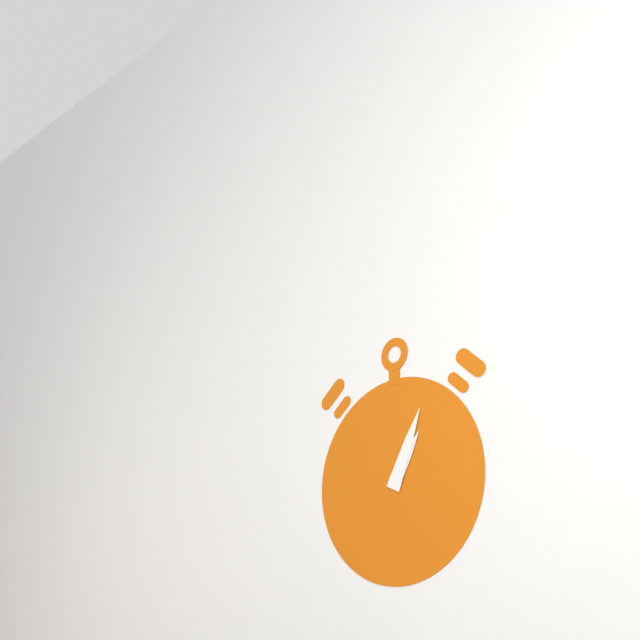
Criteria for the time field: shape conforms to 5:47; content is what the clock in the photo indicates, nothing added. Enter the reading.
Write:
1:04
